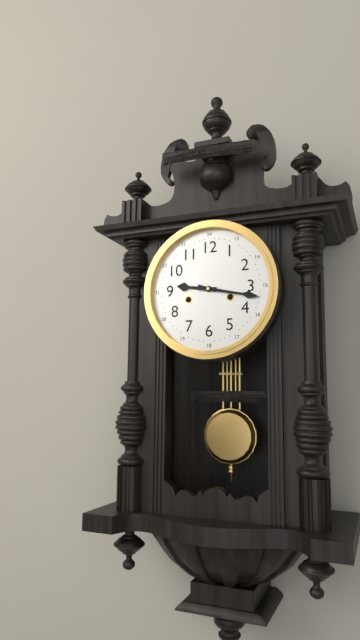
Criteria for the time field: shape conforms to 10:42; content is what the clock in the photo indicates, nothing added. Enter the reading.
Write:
9:17
